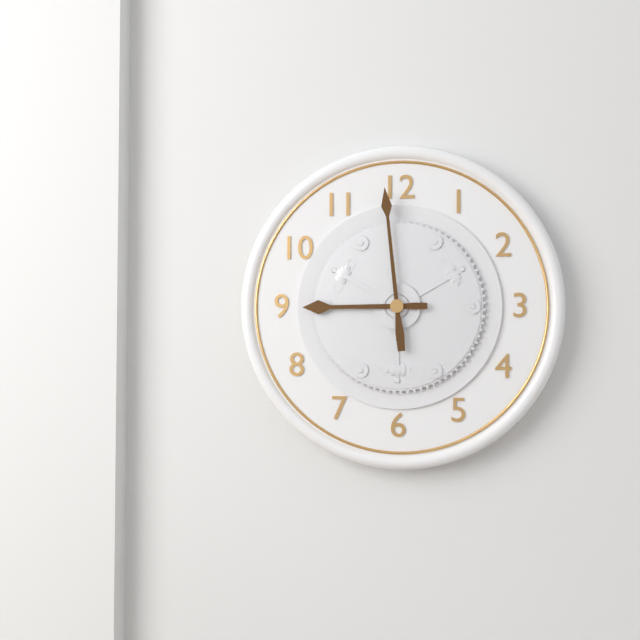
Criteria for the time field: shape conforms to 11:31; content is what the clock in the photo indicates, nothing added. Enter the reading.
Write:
8:59
